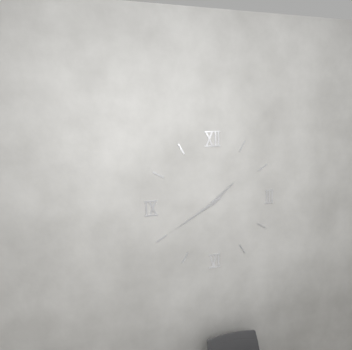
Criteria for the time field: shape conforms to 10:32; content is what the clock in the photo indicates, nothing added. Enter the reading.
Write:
1:40
